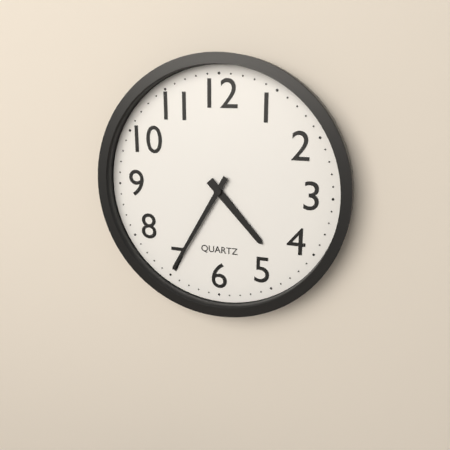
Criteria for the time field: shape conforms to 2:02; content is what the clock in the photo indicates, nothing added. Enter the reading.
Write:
4:35
